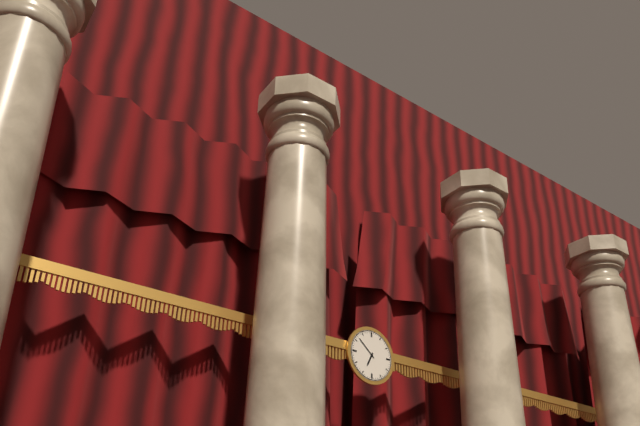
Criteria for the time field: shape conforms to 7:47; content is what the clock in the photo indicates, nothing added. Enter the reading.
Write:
6:52
